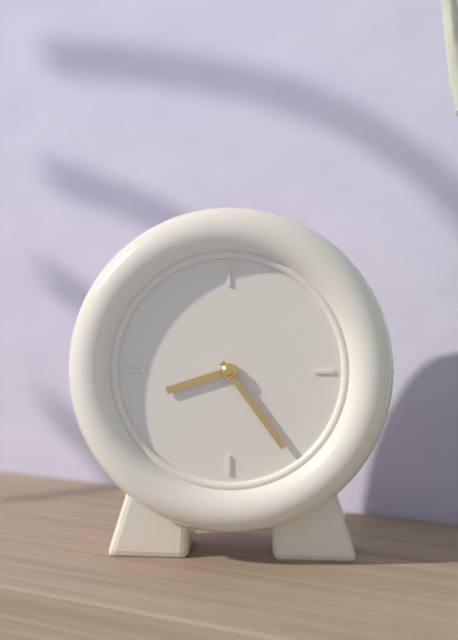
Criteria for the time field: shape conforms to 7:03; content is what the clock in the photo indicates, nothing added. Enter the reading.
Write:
8:24
